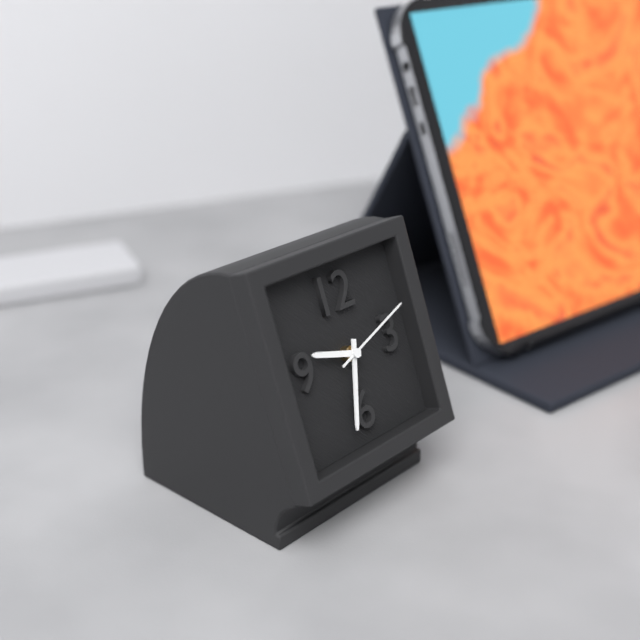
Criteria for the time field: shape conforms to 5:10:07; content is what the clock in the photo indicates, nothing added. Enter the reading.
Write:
9:33:12
